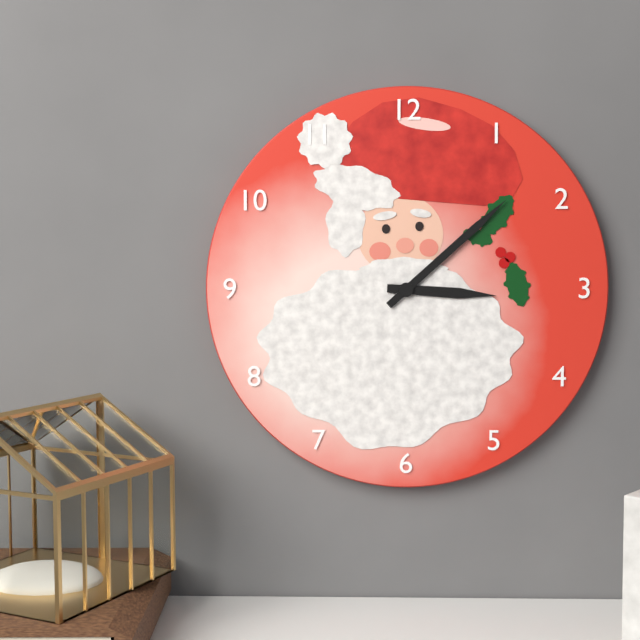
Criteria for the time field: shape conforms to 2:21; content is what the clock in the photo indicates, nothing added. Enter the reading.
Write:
3:08
